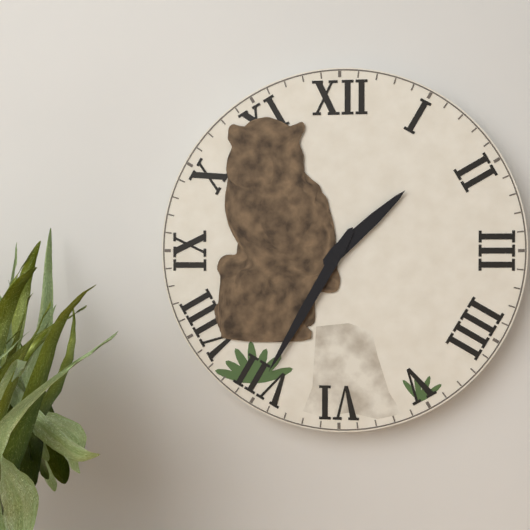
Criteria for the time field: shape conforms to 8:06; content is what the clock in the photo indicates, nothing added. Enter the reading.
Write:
1:35
